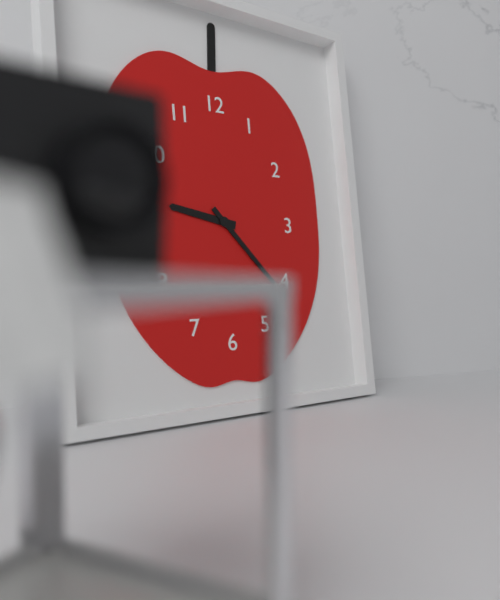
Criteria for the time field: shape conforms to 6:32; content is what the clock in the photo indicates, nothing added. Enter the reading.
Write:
9:23
